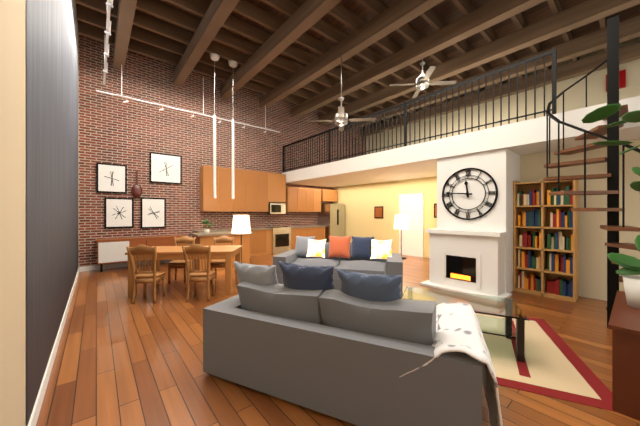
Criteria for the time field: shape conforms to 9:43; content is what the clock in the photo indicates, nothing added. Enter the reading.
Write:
11:46
